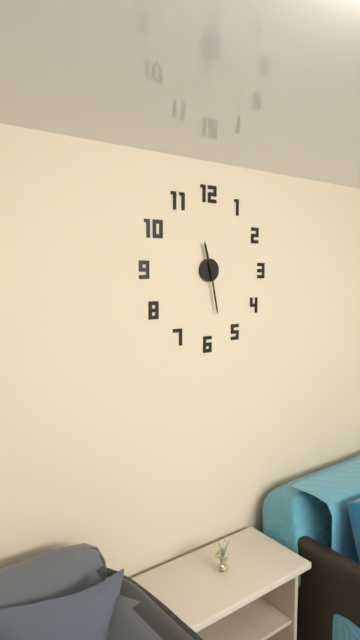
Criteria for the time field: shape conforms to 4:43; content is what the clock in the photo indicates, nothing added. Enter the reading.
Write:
11:28
